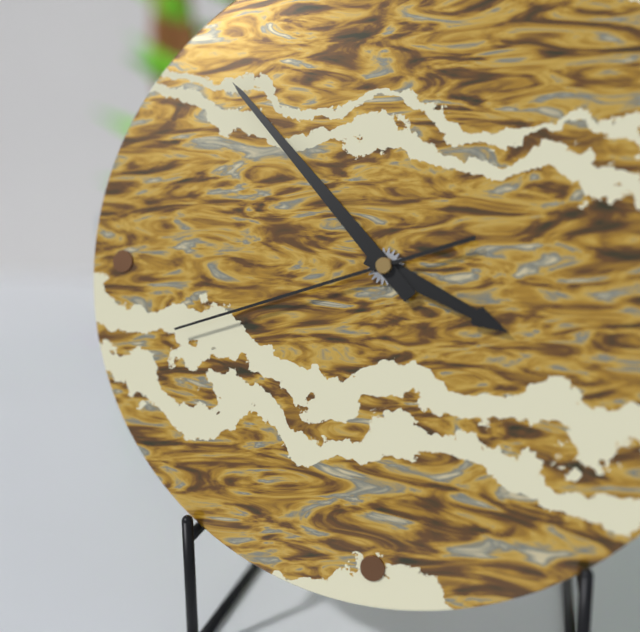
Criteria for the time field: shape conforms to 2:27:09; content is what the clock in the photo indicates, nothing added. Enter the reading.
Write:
3:53:42
